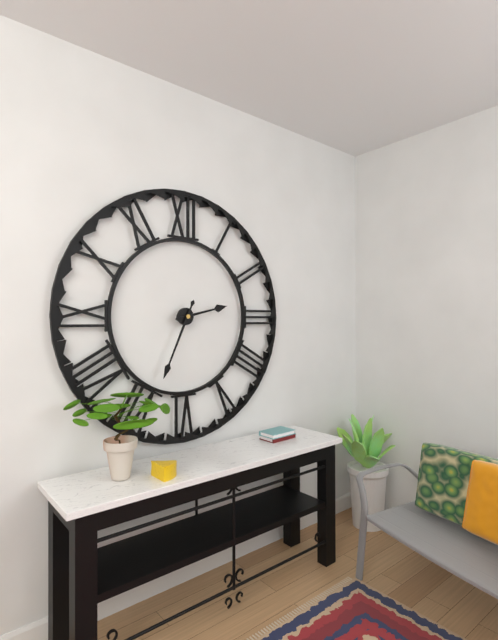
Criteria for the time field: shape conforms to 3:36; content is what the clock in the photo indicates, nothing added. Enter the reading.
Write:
2:34
